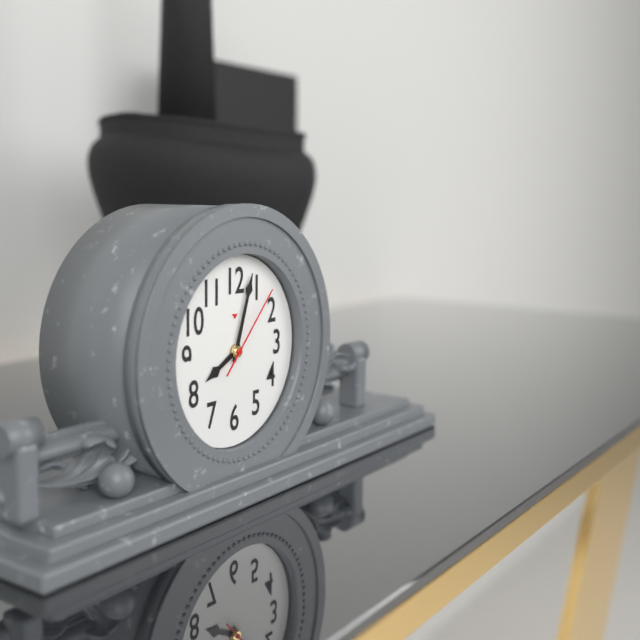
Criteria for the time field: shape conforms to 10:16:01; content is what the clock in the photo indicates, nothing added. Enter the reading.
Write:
8:03:07
